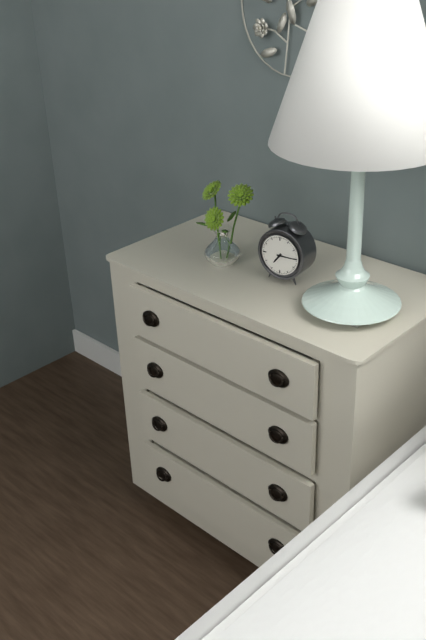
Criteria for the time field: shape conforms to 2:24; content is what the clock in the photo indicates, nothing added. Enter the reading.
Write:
7:15
